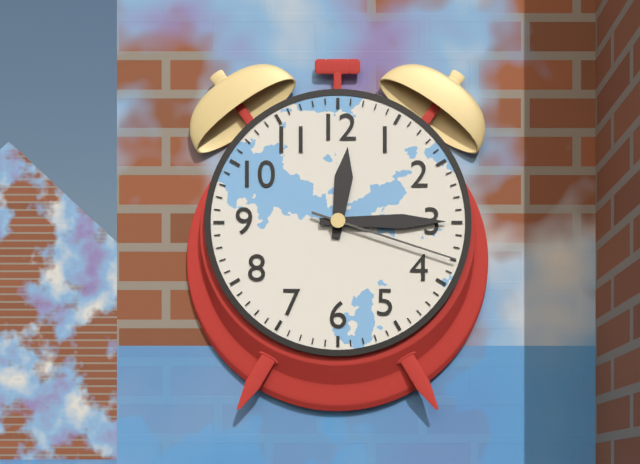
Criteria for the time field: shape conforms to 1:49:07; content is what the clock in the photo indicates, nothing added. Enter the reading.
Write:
12:15:18
